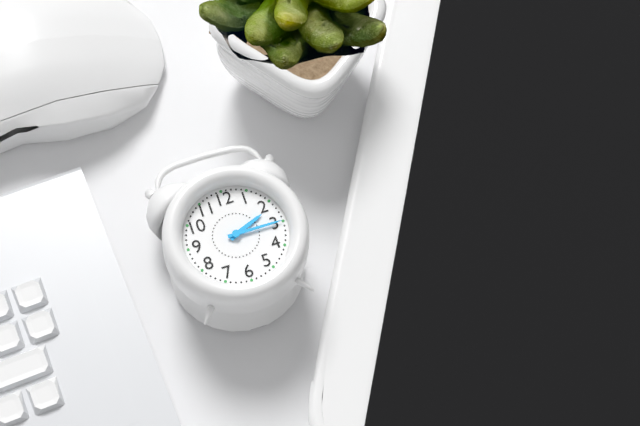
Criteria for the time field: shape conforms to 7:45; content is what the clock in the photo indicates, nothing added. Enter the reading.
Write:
2:15
